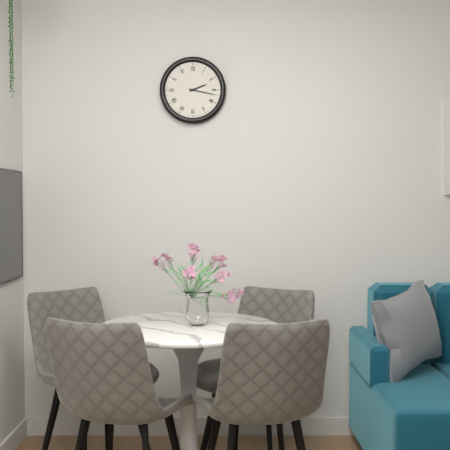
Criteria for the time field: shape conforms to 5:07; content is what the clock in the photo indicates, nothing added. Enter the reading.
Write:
2:17
